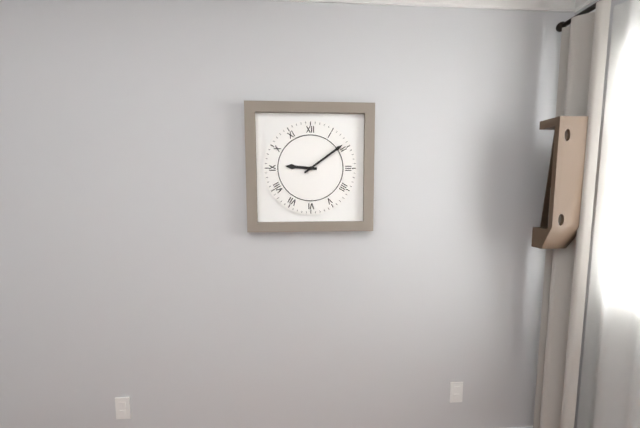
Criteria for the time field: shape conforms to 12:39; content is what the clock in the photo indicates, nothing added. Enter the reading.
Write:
9:09
